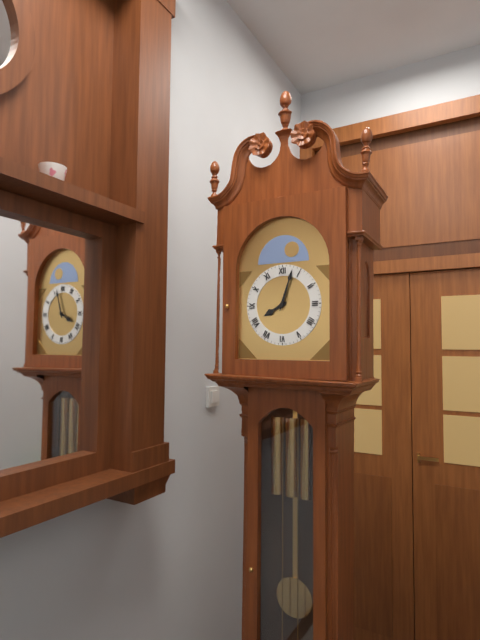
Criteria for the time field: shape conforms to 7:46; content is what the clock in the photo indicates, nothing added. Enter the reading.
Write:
8:03
